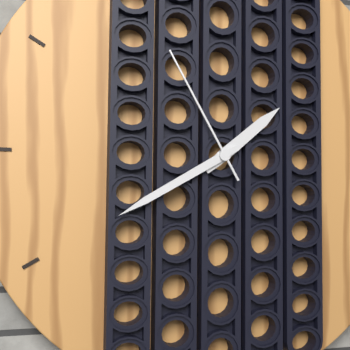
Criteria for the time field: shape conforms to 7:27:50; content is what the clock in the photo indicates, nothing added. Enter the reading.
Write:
1:40:55
